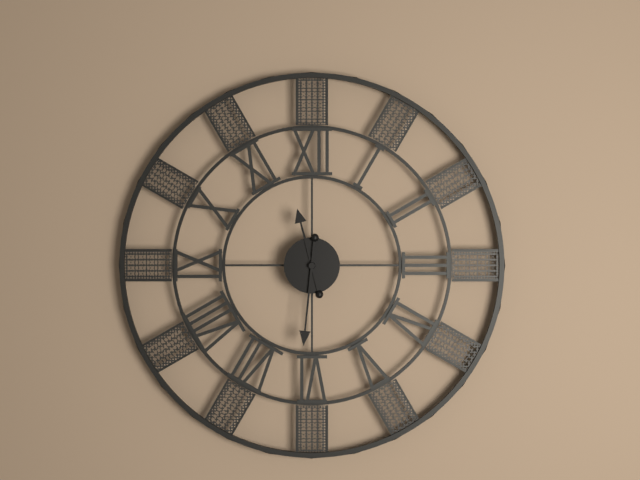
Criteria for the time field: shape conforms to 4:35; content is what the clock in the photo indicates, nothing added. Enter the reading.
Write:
11:31
